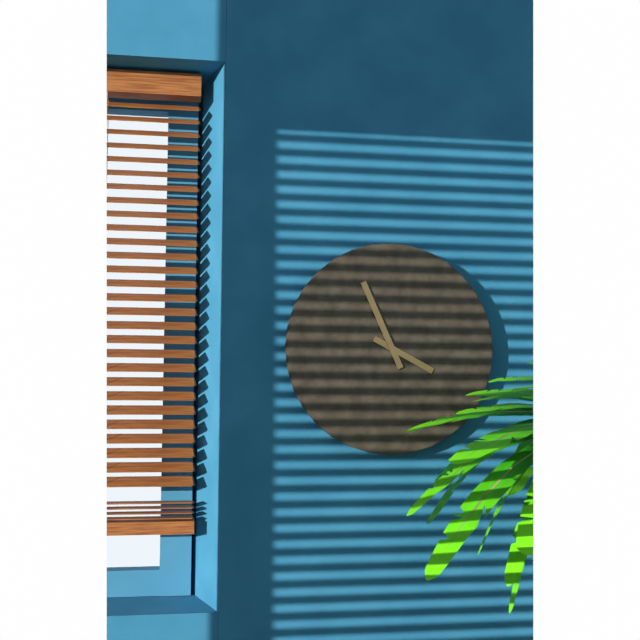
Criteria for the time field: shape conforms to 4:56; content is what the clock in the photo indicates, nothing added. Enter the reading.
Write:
3:56
